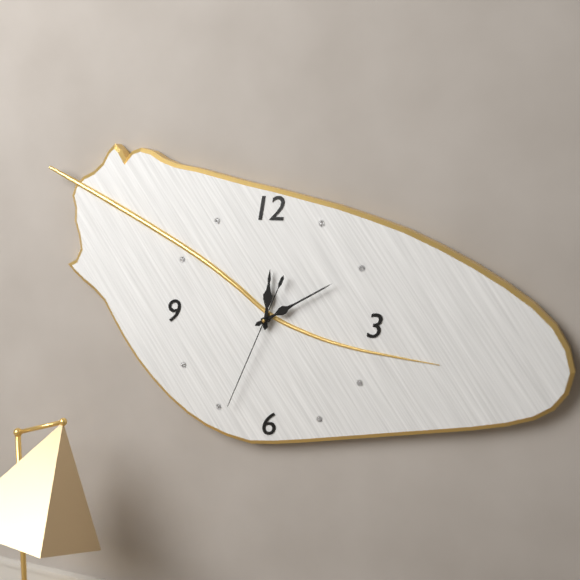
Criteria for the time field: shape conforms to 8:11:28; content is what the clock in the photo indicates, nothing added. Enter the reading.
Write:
12:10:34
